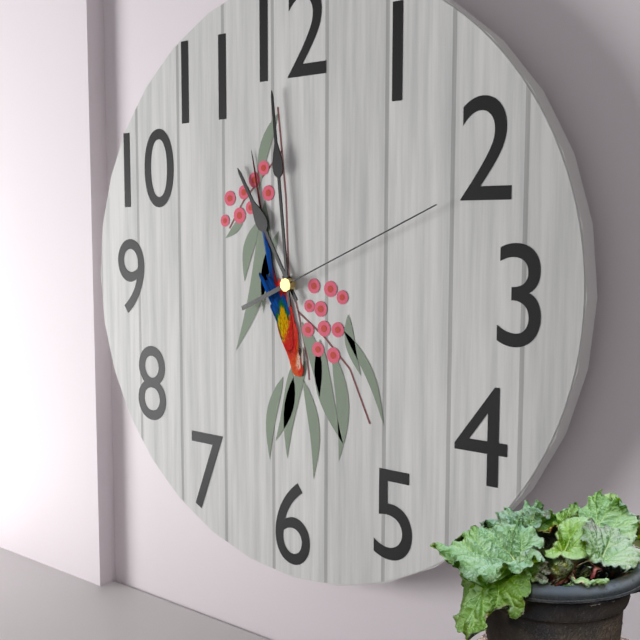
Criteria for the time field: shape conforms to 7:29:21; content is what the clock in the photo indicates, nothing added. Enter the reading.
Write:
10:59:11
